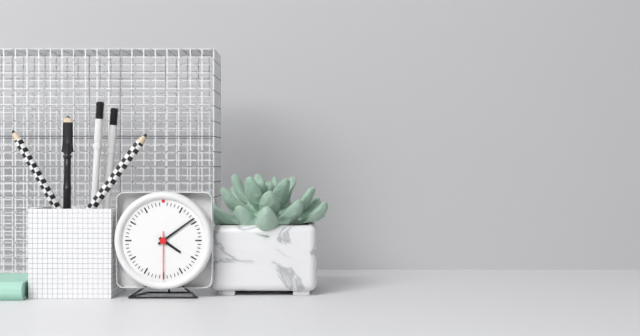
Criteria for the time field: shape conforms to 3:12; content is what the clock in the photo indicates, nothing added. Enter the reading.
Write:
4:09
